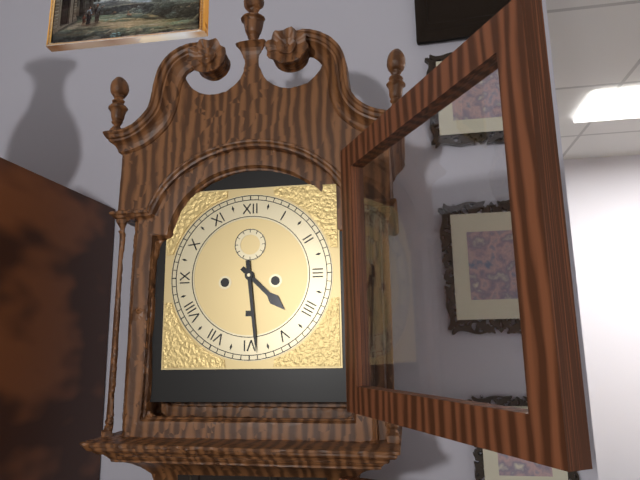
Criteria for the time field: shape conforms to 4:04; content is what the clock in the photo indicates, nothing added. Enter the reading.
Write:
4:29
